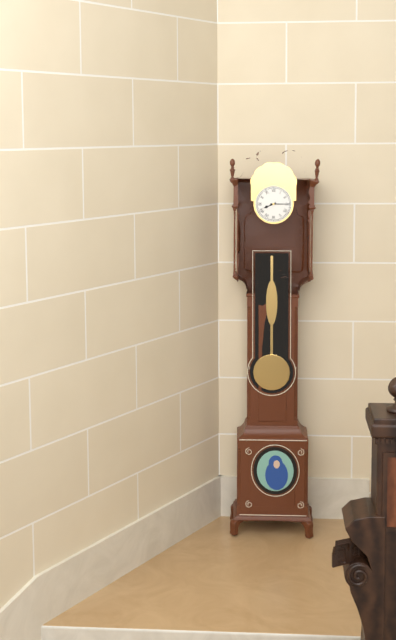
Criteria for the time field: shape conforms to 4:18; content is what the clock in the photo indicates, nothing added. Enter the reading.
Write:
8:15
